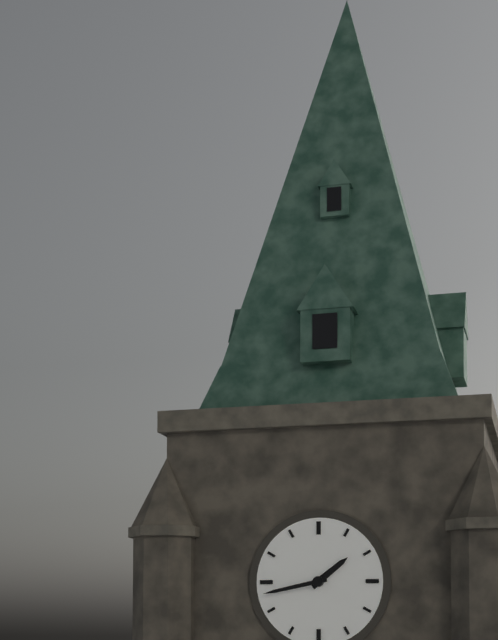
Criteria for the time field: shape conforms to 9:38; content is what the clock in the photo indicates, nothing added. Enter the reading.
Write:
1:43
